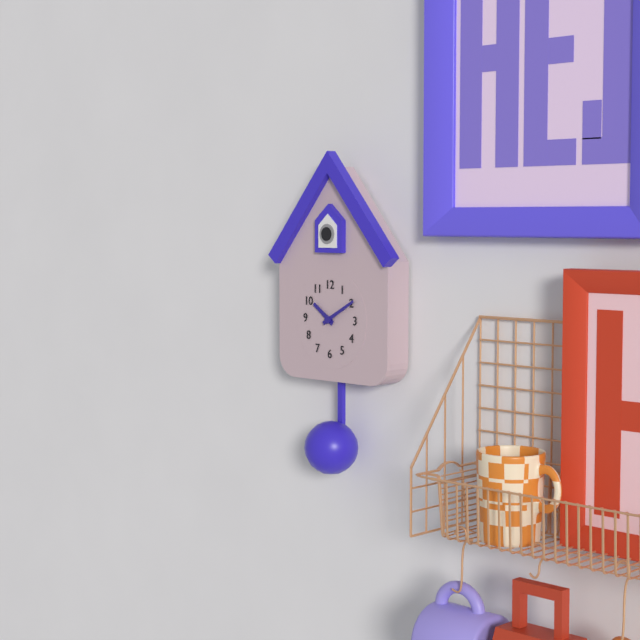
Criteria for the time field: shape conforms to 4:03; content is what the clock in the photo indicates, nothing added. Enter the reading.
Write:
10:10
